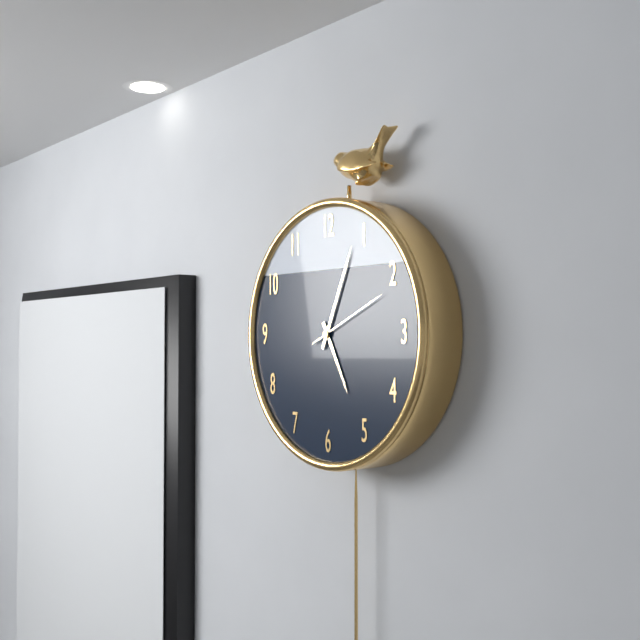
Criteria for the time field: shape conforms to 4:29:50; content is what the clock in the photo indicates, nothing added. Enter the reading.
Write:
5:04:11
